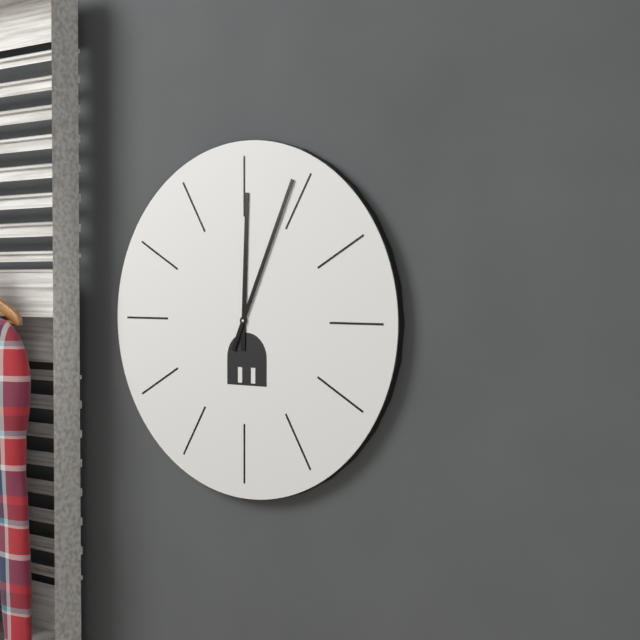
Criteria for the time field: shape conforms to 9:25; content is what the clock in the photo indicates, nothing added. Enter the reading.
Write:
12:04
